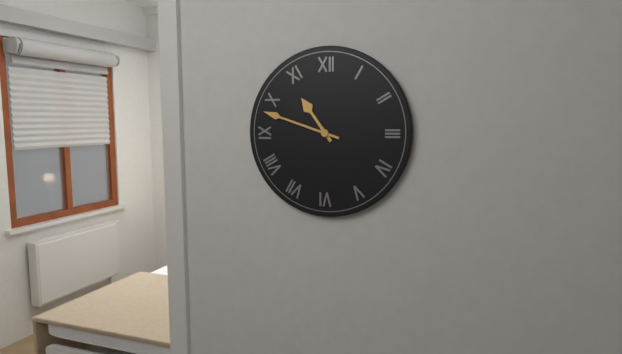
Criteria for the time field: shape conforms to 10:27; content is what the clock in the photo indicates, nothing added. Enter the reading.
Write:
10:48
